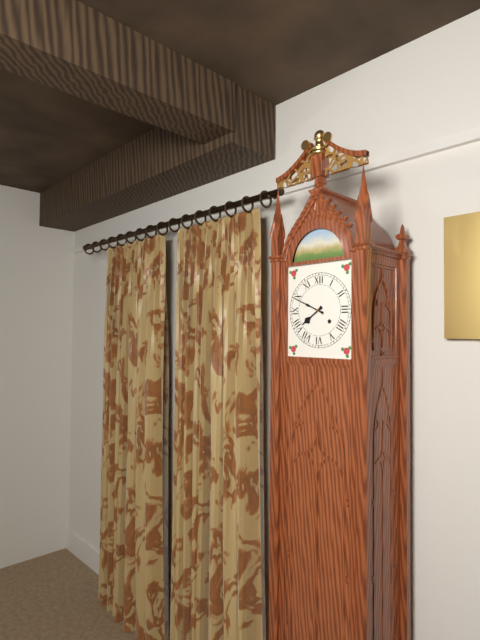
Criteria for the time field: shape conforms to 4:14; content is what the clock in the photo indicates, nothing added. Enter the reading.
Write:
7:49
